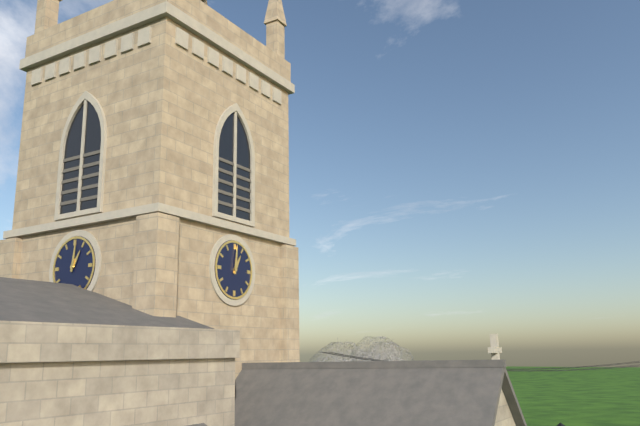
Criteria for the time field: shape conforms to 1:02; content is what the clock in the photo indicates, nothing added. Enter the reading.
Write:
1:01
